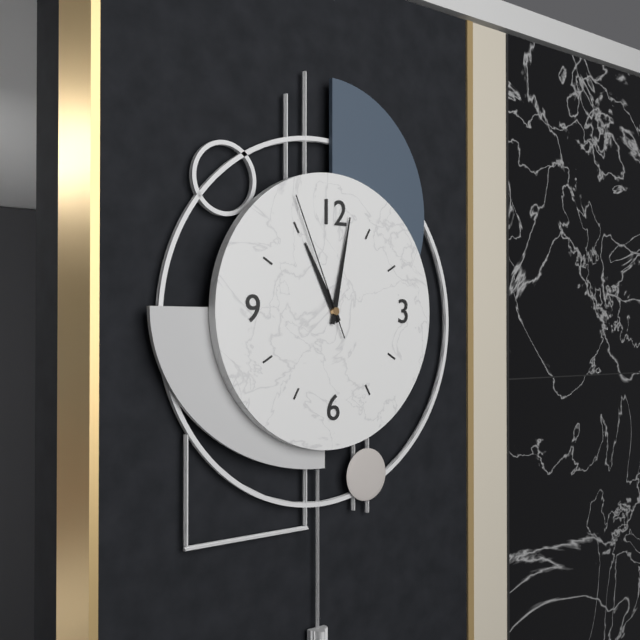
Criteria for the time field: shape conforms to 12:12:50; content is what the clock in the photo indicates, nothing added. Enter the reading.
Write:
11:02:56
